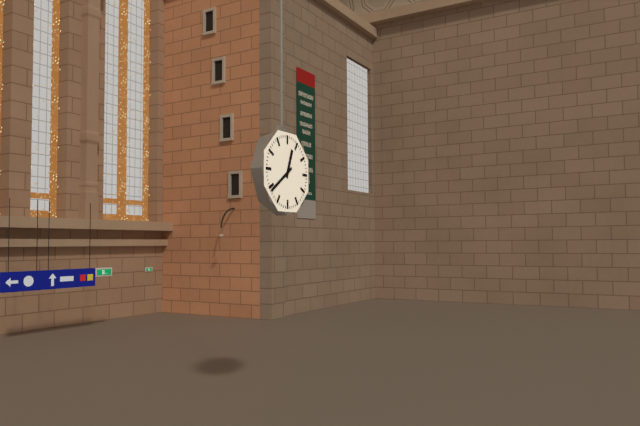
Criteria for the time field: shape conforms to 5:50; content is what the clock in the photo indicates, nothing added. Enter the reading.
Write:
12:39
